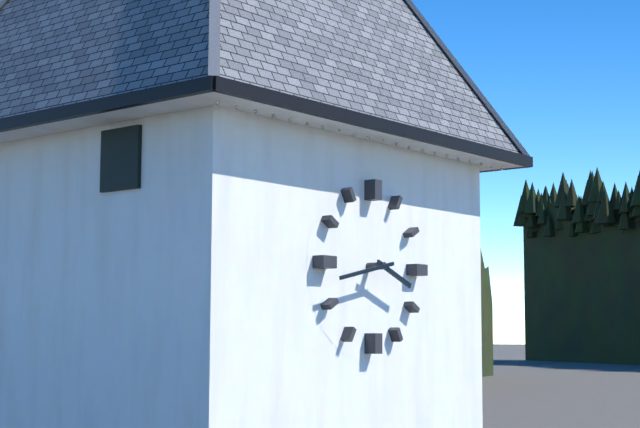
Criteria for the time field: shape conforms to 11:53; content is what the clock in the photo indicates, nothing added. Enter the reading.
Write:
3:43
